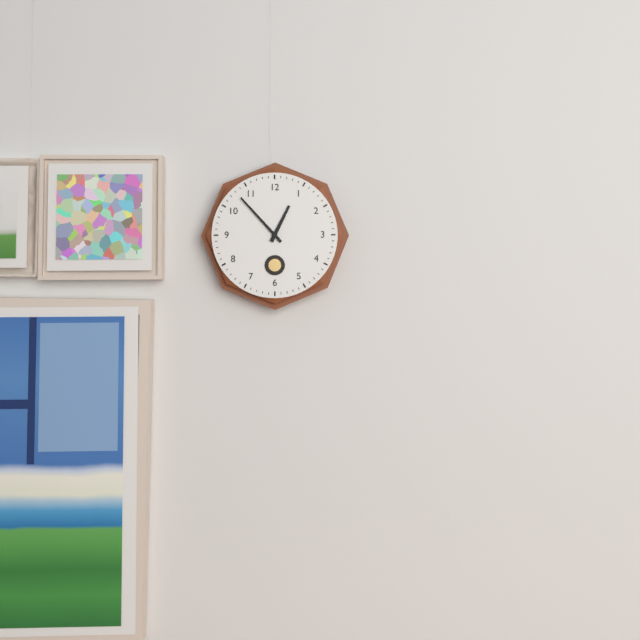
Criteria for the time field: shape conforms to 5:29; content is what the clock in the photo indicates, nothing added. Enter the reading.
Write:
12:53
